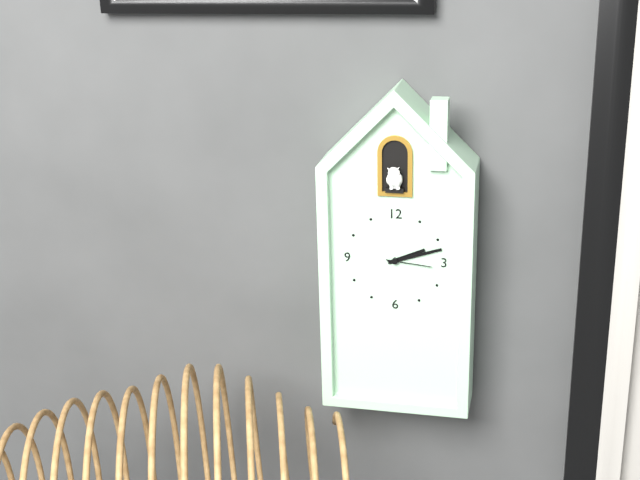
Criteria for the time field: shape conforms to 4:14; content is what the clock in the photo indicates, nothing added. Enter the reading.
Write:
2:12
